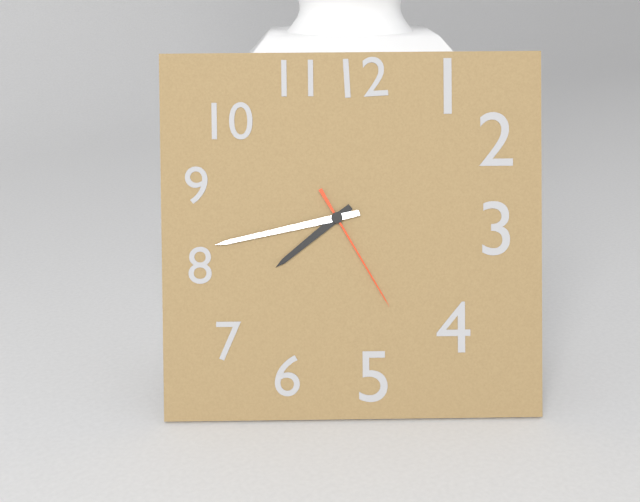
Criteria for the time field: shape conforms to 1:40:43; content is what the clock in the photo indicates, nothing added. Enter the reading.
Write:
7:43:25
